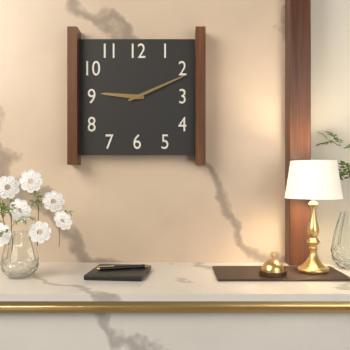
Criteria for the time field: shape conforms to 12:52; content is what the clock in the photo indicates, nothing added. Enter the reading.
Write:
9:11
